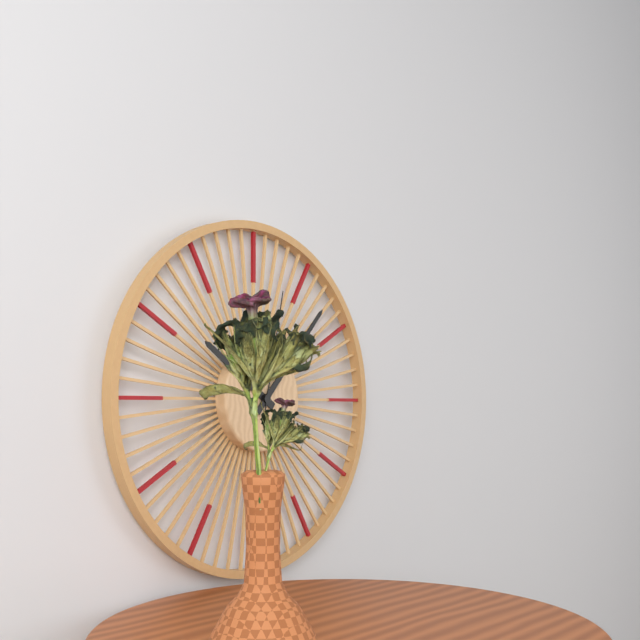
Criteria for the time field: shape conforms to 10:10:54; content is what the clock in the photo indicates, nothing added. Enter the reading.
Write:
10:07:02
